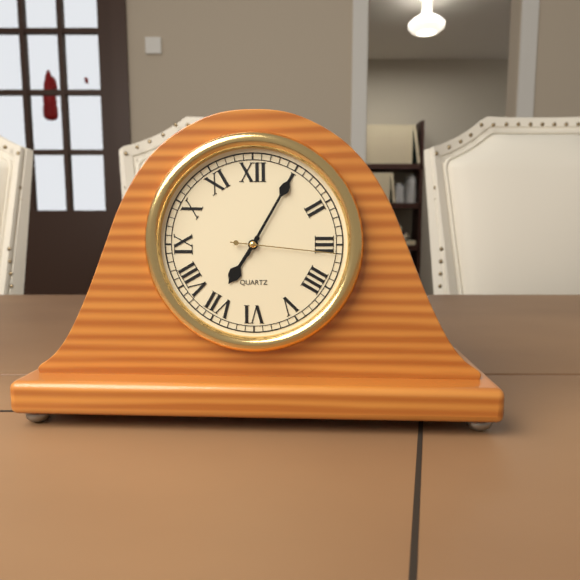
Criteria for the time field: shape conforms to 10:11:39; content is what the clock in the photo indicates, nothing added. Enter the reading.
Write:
7:05:16
